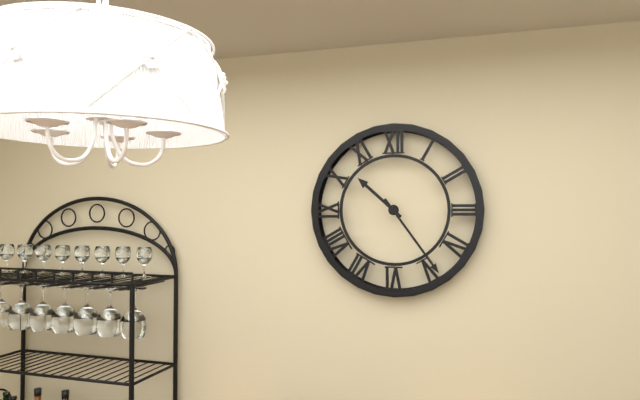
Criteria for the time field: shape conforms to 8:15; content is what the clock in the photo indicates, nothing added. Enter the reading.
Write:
10:24
